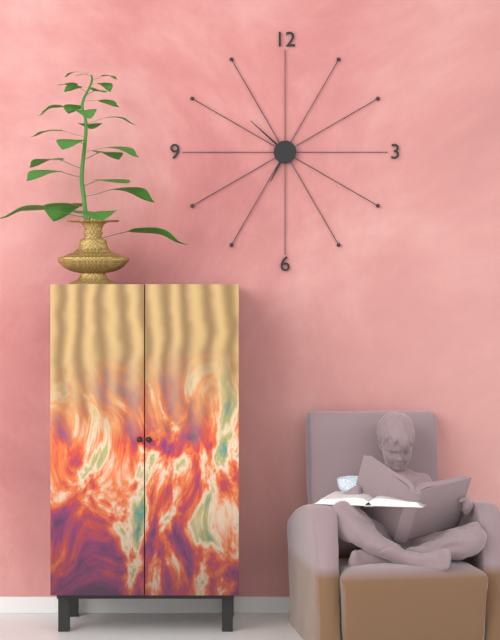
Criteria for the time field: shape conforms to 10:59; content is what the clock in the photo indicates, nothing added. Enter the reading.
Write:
6:52
